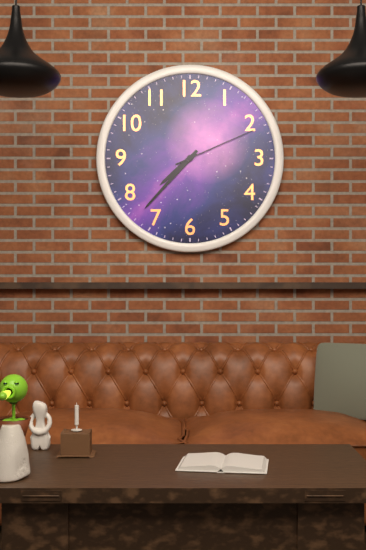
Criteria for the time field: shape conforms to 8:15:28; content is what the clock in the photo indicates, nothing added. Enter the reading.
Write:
7:37:11
